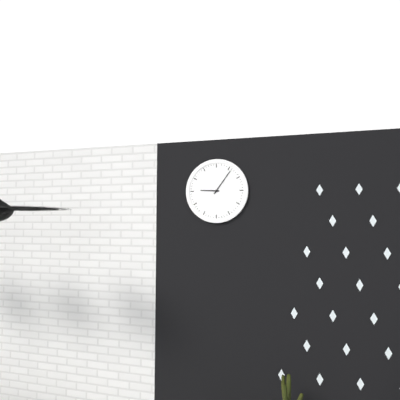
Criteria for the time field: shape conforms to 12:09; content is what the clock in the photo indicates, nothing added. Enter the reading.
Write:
9:06
